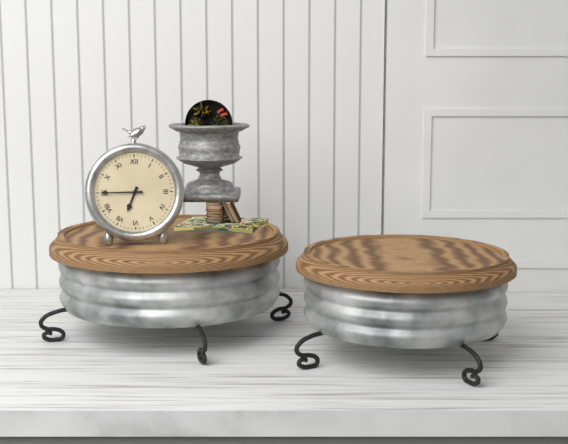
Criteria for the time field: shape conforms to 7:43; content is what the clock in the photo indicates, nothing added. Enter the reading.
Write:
6:45
